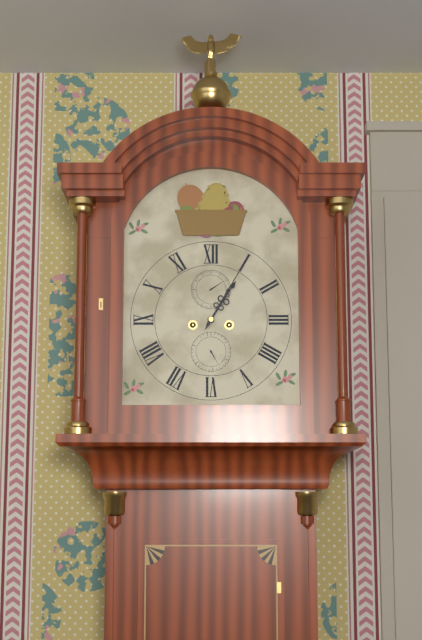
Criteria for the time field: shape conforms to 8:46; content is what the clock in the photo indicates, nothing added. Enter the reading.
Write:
1:05
